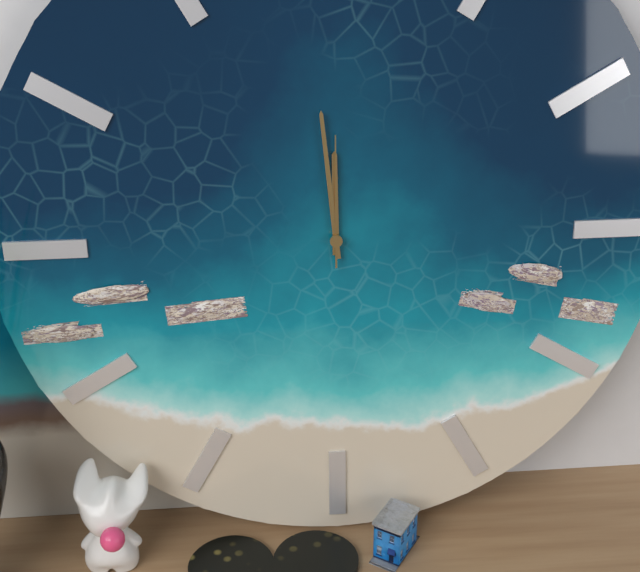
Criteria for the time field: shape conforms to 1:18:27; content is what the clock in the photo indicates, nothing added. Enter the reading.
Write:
11:59:00
